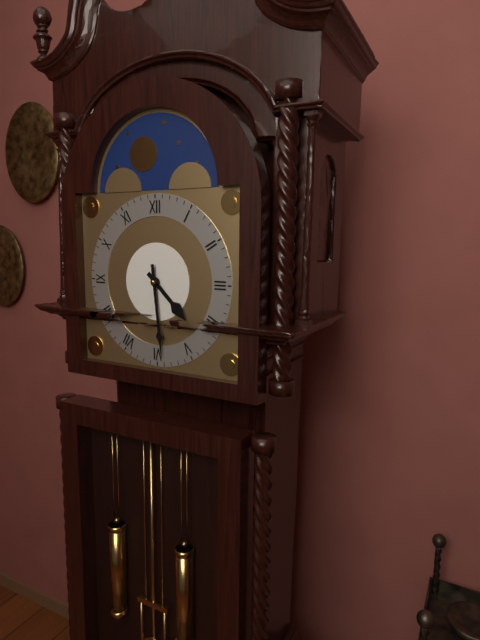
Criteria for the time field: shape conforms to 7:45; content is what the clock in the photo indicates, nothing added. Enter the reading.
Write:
4:29
